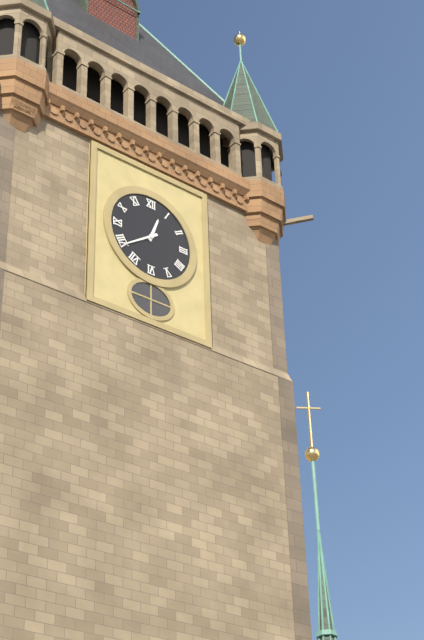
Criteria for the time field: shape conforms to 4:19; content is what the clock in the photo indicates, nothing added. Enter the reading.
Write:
12:39
